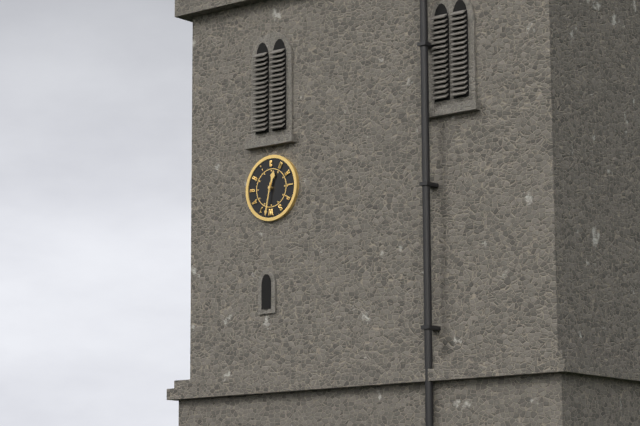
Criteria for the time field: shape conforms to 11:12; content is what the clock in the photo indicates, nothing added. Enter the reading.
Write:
12:32
